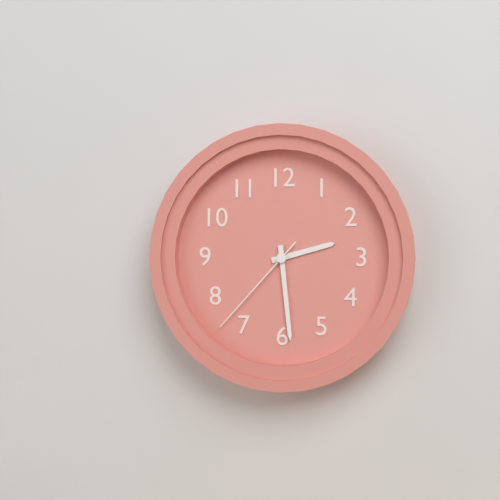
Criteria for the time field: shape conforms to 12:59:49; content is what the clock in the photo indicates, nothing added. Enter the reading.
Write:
2:29:37
